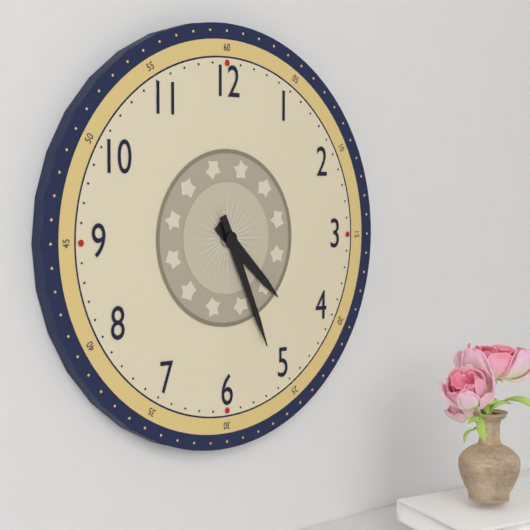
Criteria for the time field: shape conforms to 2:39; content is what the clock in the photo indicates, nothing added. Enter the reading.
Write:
4:26
